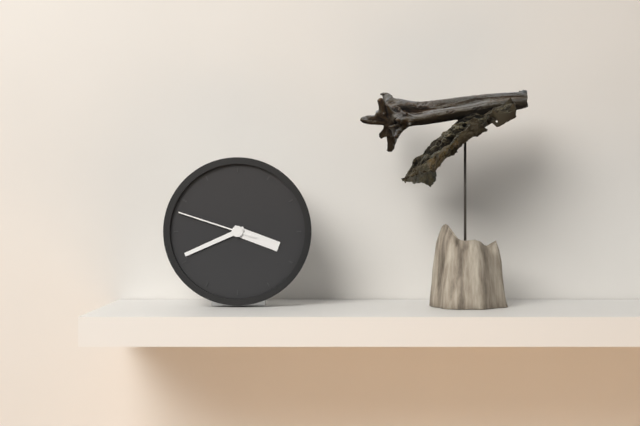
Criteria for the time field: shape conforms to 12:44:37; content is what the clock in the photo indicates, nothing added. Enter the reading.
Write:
3:41:48
